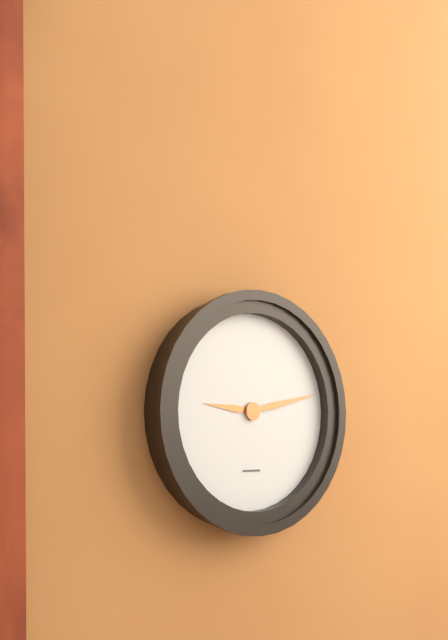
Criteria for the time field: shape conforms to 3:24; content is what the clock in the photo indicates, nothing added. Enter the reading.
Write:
9:13
